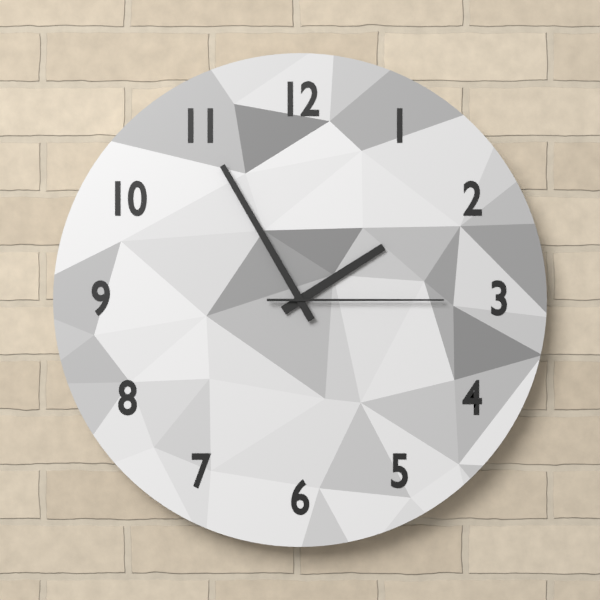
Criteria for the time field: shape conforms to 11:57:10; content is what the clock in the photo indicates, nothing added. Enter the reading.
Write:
1:55:15
